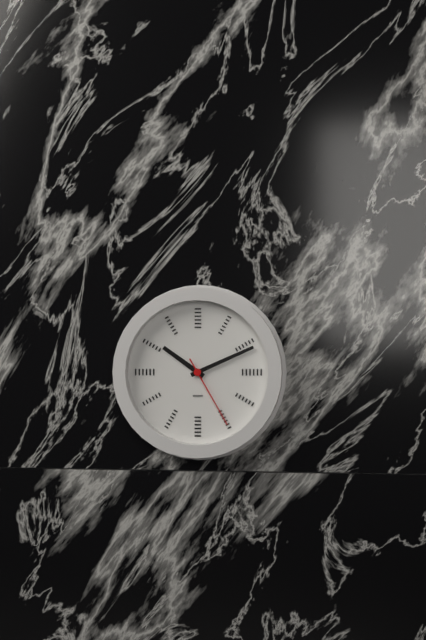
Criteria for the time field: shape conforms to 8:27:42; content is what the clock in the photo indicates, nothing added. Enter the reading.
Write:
10:11:25
